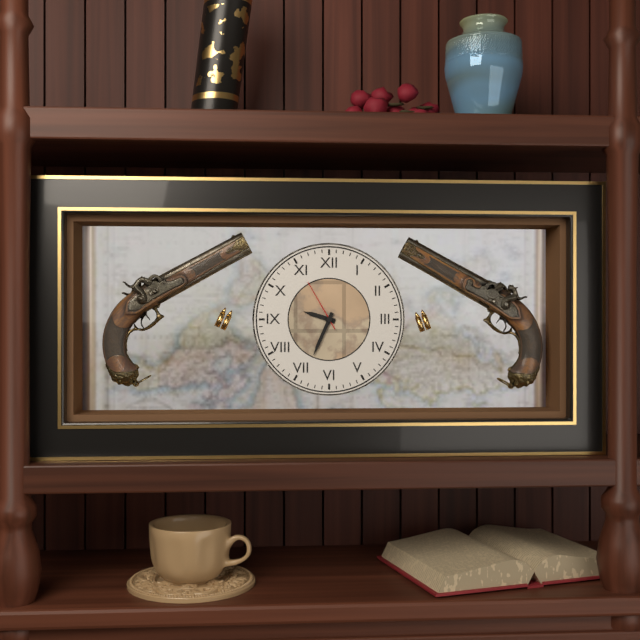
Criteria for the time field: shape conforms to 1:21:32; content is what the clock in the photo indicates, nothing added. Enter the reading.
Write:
9:34:55
